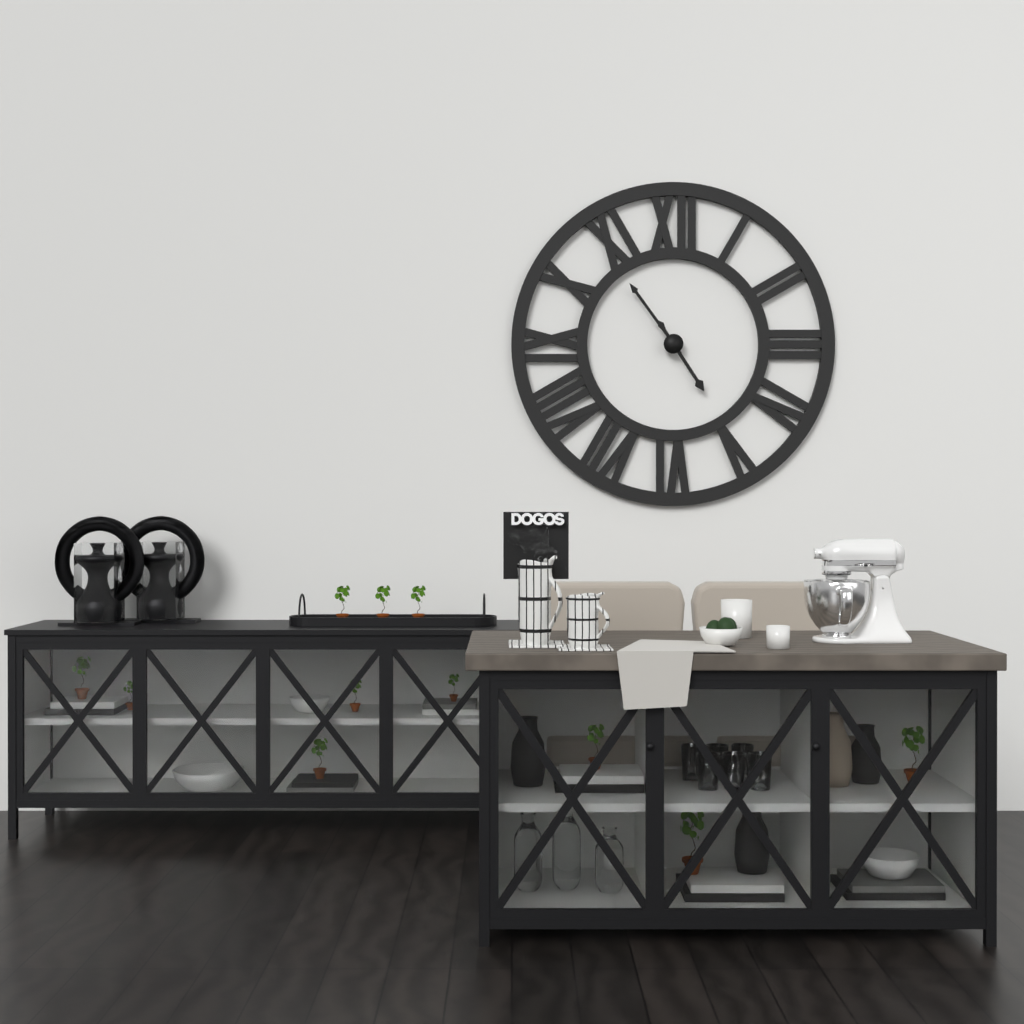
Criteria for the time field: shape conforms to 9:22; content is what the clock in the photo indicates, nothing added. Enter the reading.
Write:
4:54
